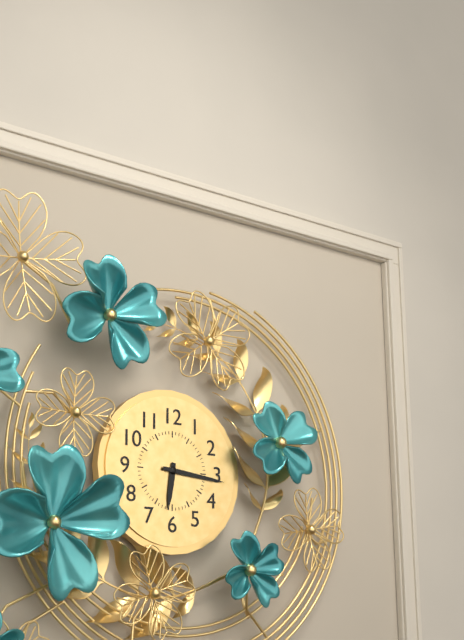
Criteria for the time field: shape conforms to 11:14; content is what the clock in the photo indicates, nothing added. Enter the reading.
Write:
6:16
